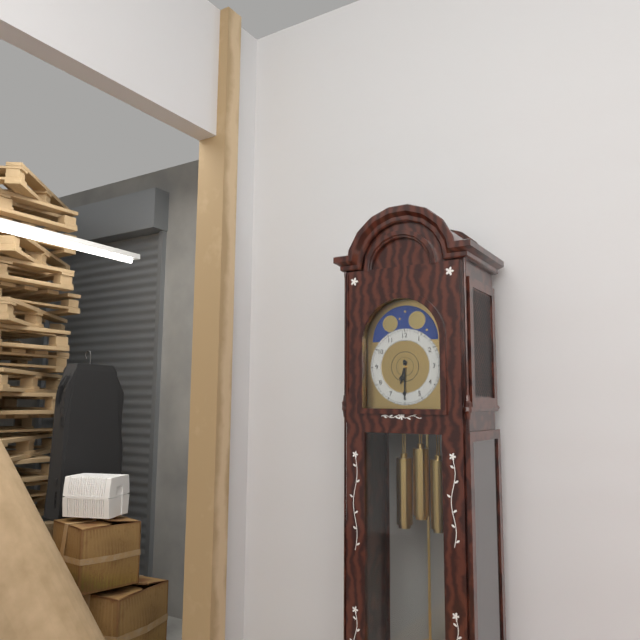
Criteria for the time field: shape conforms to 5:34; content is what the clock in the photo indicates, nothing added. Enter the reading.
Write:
6:30
